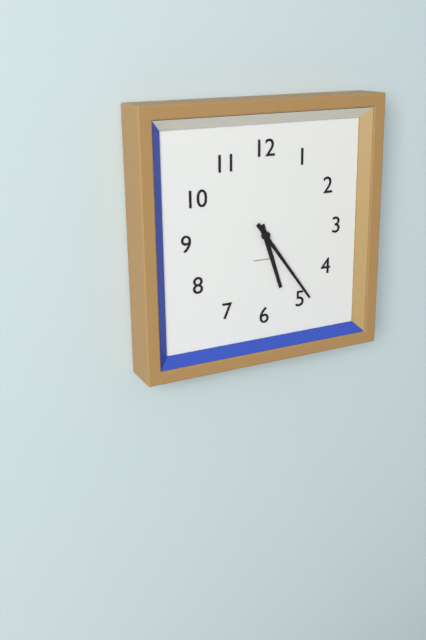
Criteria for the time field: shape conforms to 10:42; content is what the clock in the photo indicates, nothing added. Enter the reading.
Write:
5:24
